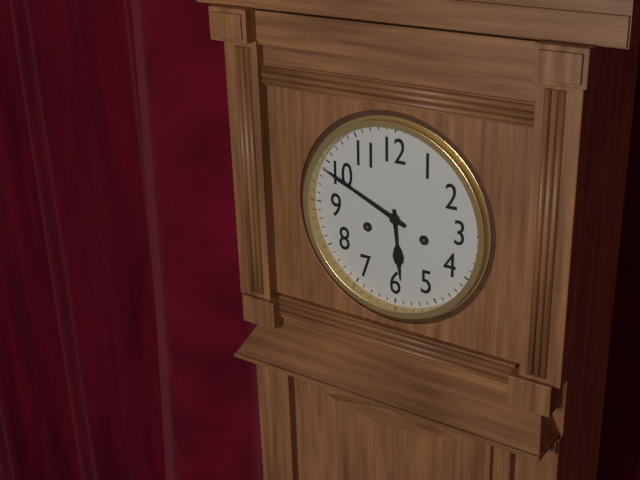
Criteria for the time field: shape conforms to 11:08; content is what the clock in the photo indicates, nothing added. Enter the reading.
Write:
5:49
